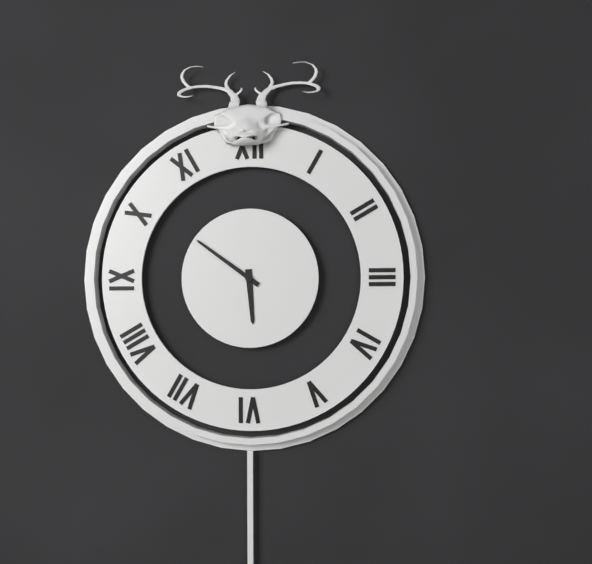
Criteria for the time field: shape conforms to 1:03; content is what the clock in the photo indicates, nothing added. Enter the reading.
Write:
5:51
